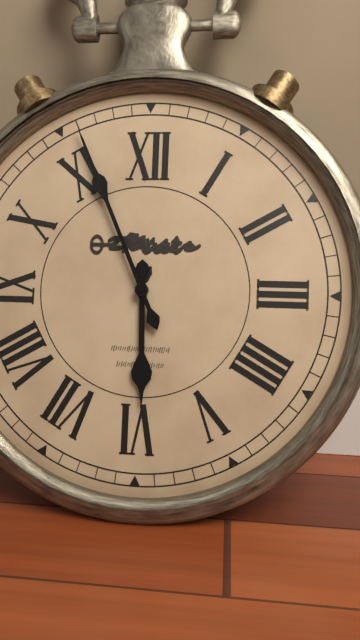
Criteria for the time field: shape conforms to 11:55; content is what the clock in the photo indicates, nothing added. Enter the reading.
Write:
5:56
